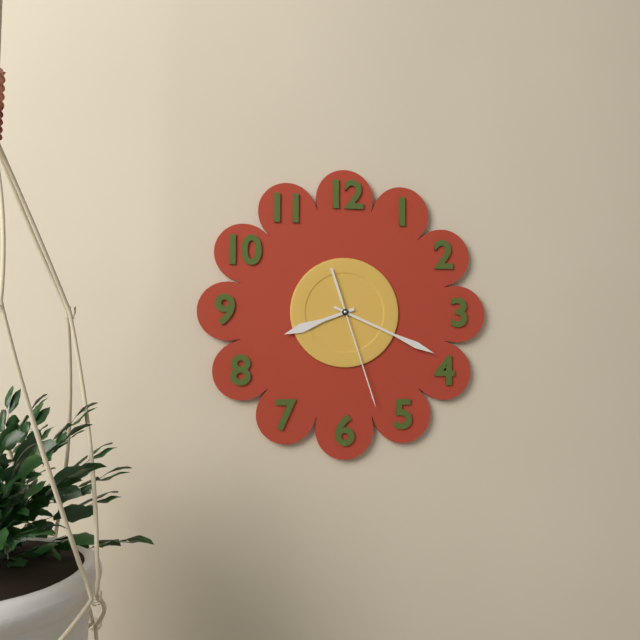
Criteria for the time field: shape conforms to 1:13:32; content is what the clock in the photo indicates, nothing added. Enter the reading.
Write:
8:19:27
